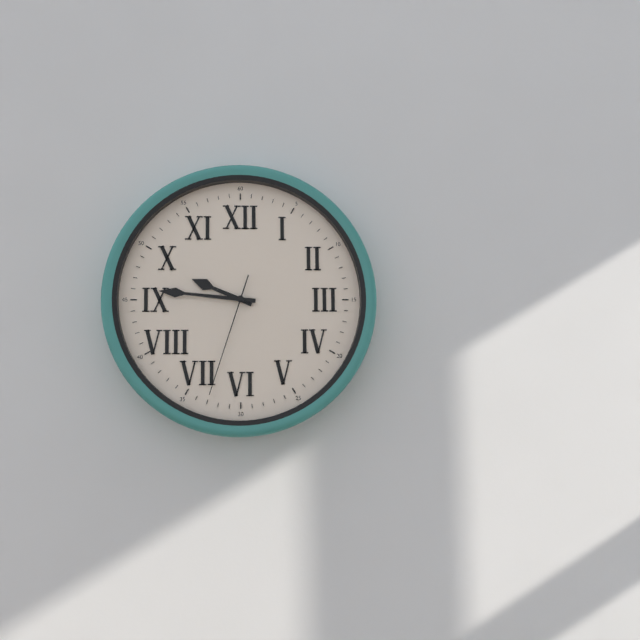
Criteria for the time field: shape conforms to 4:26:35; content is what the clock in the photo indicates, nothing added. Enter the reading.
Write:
9:46:33
